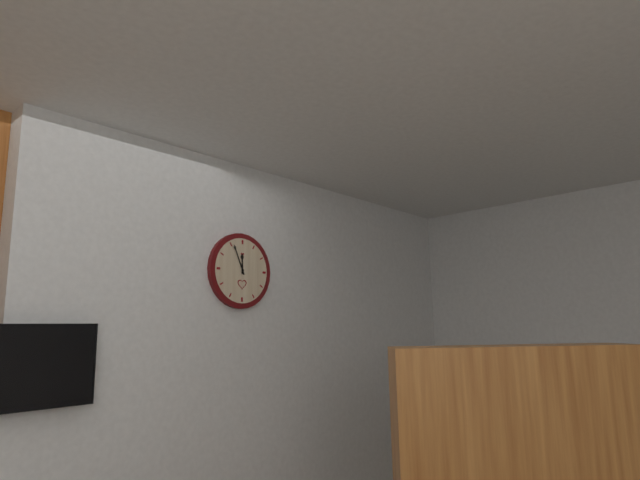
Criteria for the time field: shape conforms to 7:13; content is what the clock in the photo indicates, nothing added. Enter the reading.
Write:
11:56
